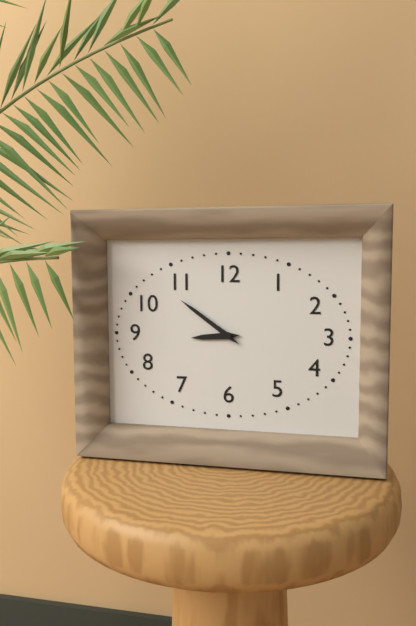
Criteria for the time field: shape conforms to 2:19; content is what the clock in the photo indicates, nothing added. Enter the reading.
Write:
8:51
